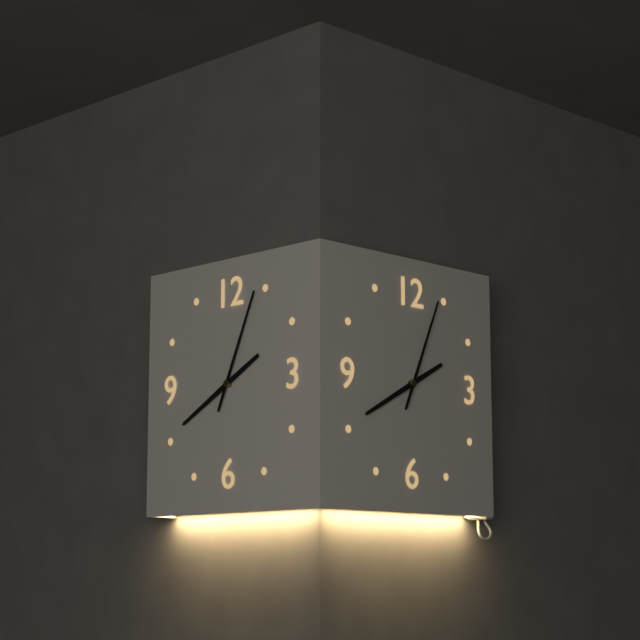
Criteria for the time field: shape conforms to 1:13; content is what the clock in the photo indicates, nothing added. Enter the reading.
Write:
8:04
